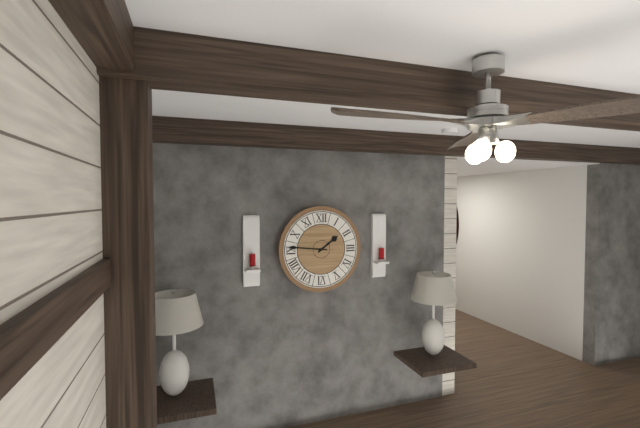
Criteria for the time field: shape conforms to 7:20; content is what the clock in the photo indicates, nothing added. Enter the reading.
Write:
1:46
